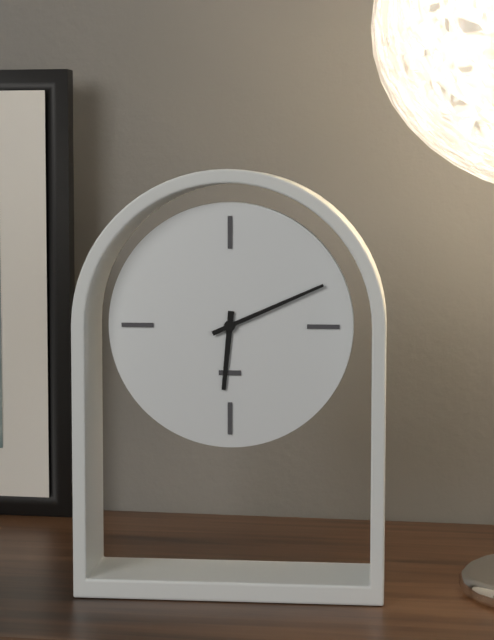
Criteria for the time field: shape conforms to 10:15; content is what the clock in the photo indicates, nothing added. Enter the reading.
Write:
6:11
